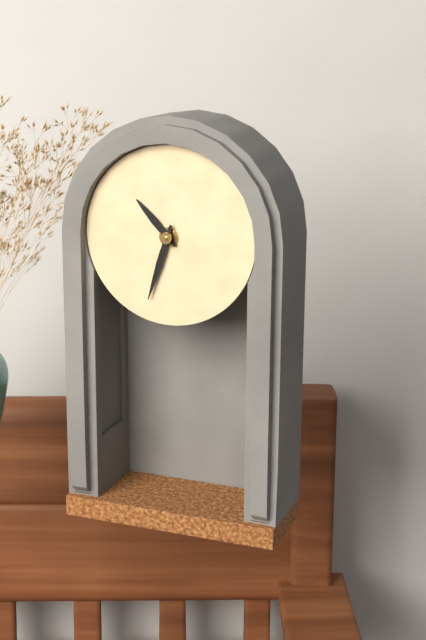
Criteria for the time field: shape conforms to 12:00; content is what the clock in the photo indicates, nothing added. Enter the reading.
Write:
10:33
